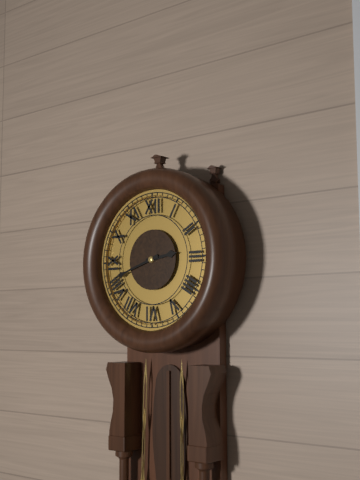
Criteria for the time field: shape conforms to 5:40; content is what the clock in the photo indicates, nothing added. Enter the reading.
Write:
2:42
